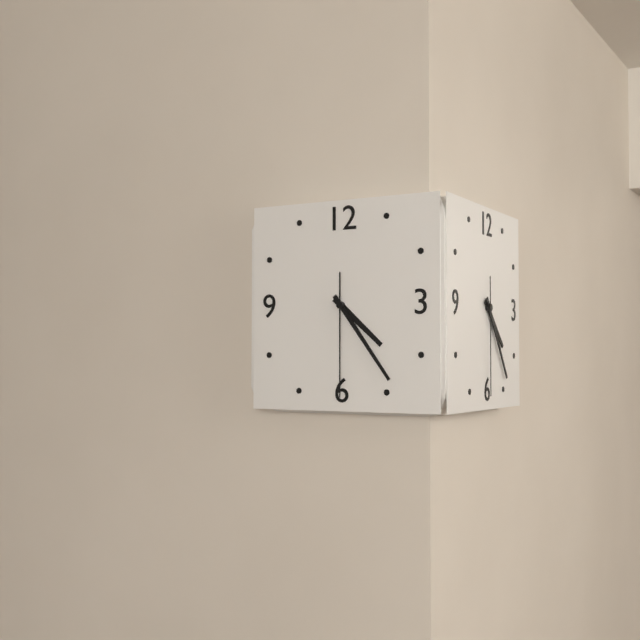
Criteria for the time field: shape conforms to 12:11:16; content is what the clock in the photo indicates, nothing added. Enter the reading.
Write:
4:24:30
